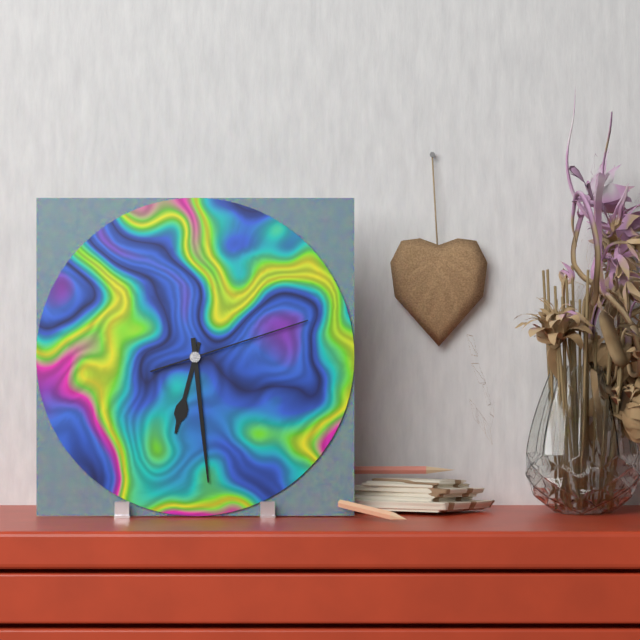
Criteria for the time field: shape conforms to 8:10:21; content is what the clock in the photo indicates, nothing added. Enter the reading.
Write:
6:29:12
